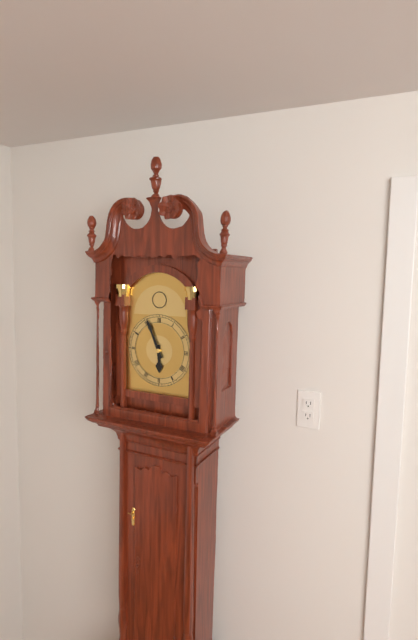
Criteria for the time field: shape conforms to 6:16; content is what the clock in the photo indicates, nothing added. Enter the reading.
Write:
5:56
